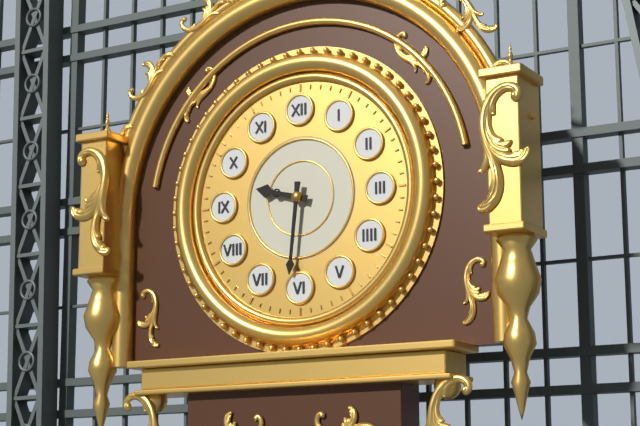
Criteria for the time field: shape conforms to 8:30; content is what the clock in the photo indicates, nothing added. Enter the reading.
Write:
9:31
